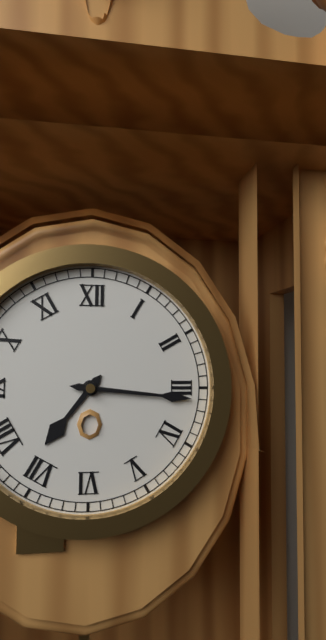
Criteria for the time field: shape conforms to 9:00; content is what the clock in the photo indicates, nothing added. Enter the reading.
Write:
7:16
